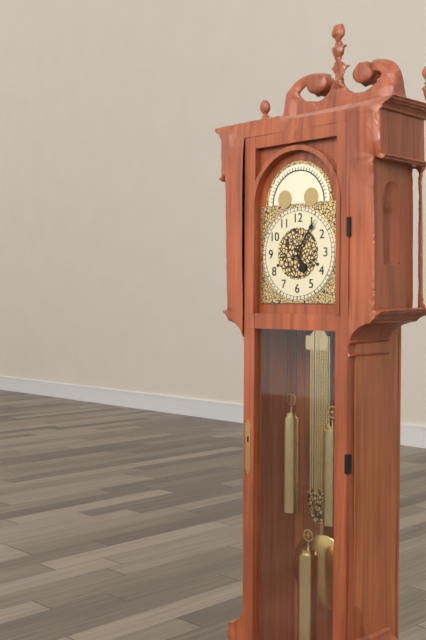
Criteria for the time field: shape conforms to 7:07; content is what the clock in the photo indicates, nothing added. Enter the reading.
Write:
5:06
